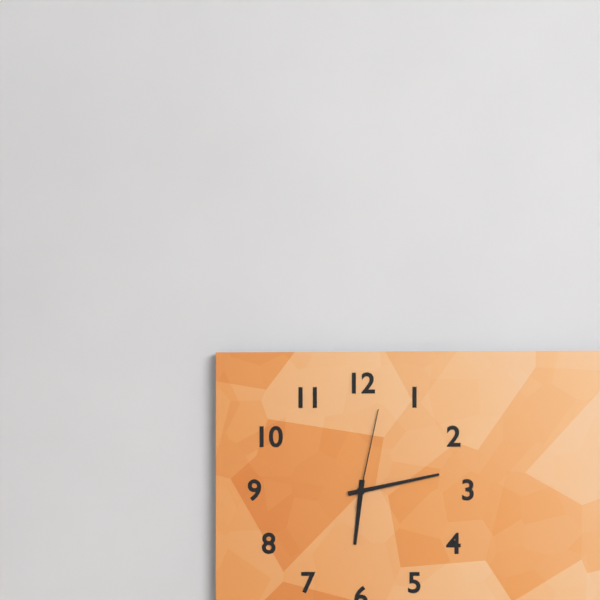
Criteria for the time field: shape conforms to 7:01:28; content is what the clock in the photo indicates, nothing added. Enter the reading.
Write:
6:13:02
